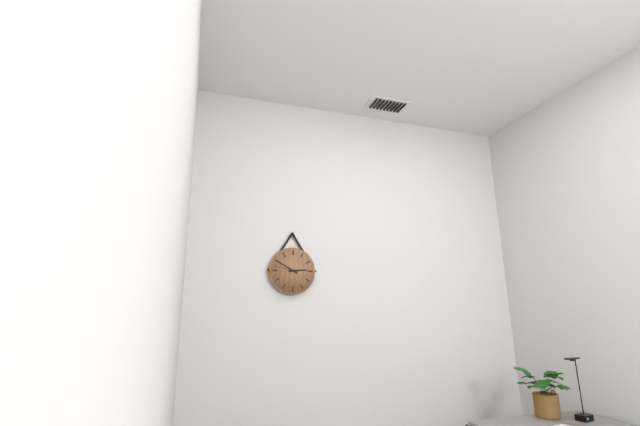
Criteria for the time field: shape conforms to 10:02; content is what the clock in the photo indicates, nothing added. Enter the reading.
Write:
2:50
